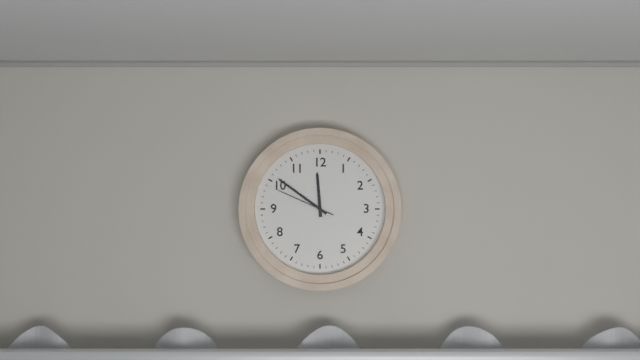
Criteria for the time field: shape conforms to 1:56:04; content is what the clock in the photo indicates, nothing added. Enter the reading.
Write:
11:51:49
